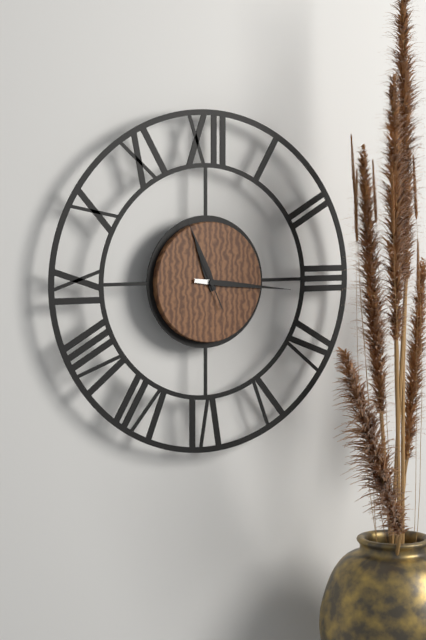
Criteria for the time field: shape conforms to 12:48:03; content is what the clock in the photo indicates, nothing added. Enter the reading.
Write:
11:16:56
